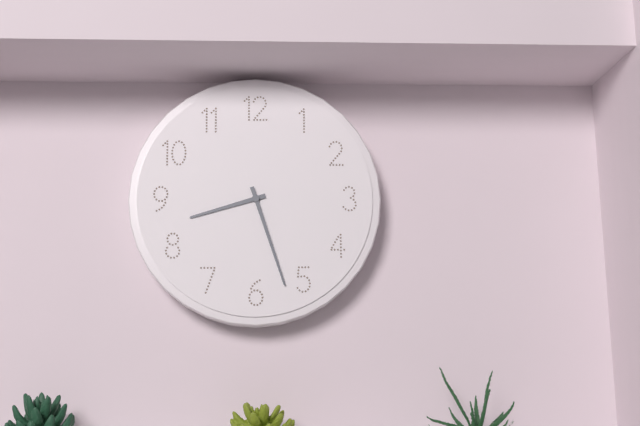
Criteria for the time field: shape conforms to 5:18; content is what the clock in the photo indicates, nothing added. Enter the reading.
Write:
8:27
